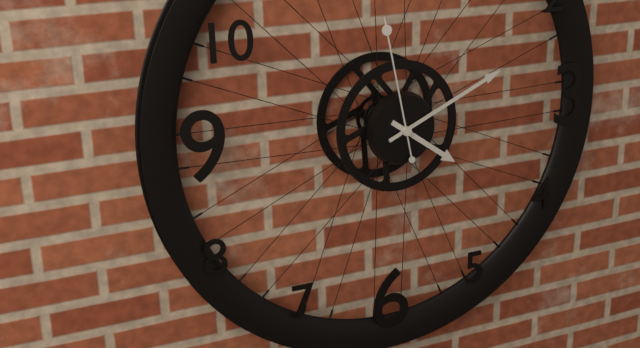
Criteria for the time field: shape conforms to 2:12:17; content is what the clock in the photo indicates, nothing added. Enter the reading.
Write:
4:11:58
